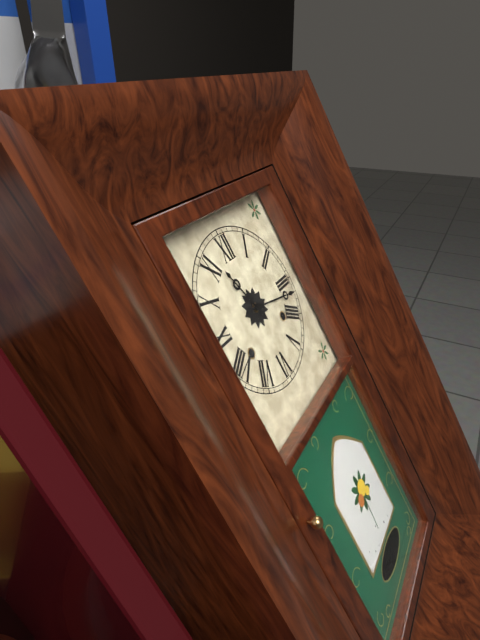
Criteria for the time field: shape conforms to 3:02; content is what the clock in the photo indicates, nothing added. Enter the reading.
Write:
11:17
